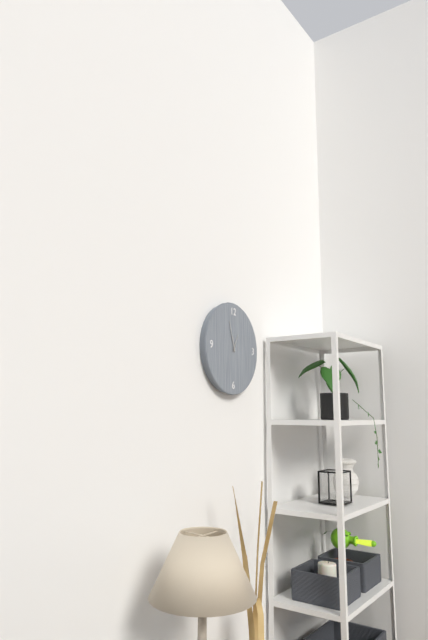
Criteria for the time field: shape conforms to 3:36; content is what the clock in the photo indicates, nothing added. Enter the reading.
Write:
12:57
